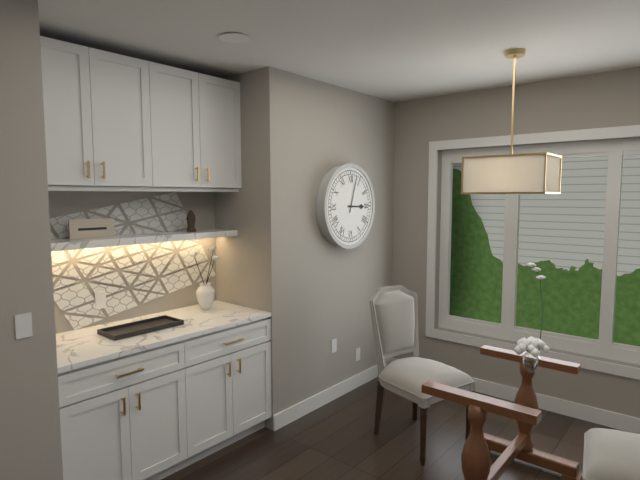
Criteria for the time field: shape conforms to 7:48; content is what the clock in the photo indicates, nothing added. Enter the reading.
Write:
3:03
